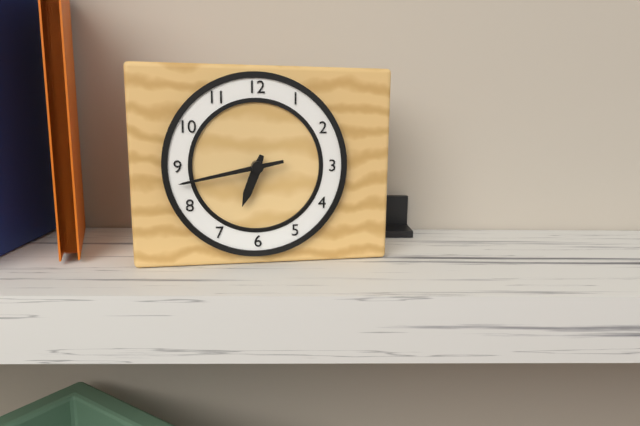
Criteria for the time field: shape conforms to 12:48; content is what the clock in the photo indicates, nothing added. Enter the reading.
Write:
6:43
